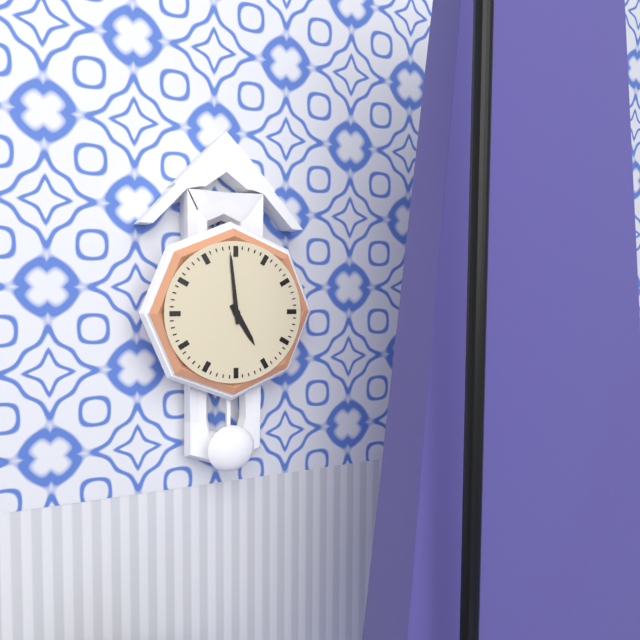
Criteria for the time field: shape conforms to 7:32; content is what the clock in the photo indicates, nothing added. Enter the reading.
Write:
4:59
